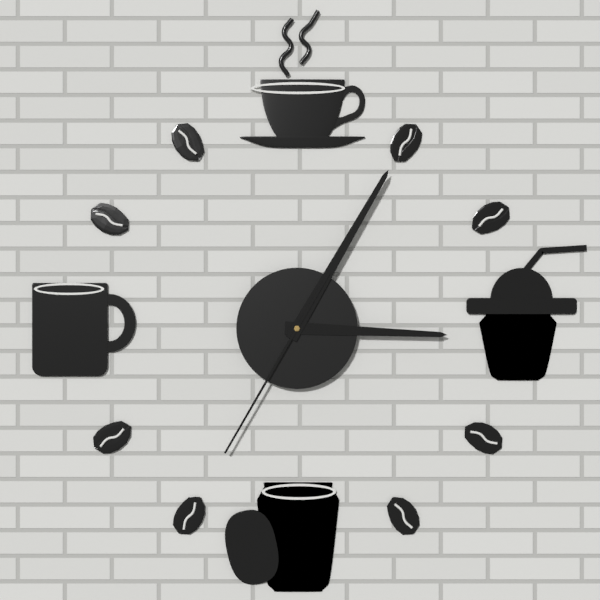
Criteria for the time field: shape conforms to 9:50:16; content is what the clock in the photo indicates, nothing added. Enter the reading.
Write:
3:05:35
